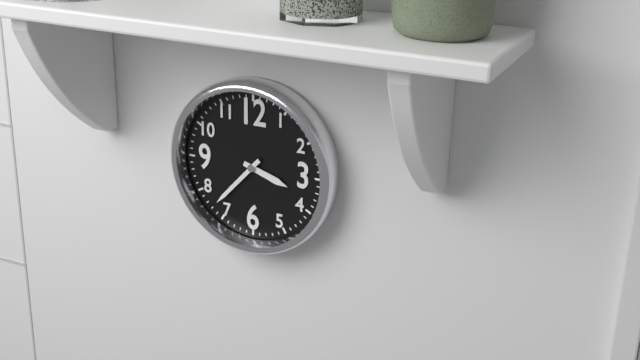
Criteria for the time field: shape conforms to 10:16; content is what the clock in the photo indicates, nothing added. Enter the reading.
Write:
3:37
